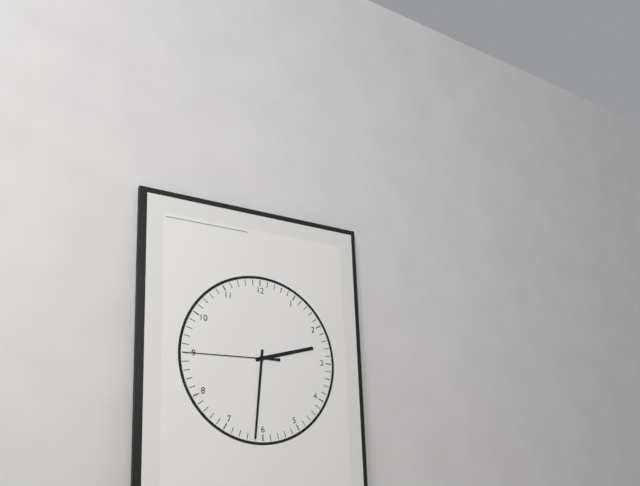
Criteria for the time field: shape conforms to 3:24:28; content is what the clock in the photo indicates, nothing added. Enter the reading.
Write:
2:31:45
